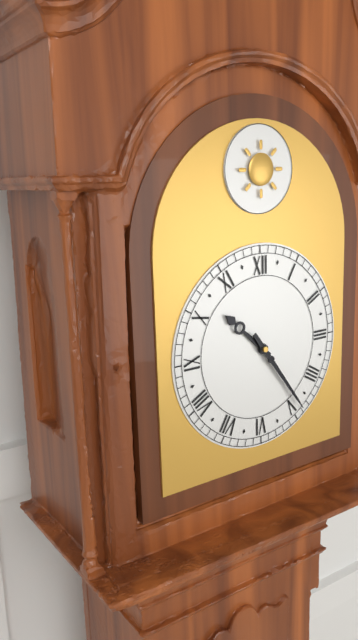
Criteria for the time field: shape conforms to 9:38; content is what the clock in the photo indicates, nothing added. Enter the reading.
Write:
10:24
